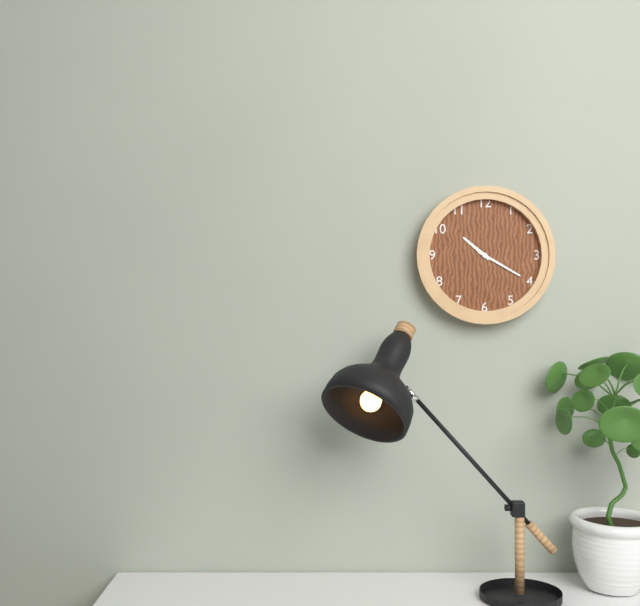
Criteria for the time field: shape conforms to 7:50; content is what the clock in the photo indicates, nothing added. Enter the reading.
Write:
10:20
